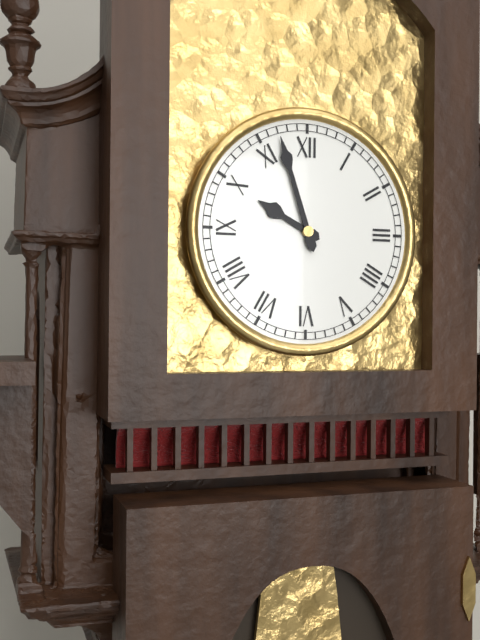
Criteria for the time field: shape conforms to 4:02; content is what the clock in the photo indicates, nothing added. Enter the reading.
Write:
9:57
